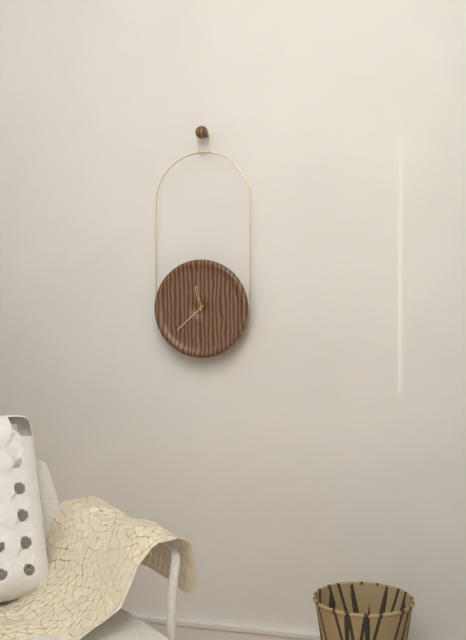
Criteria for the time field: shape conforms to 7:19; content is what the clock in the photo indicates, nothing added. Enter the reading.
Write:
11:38
